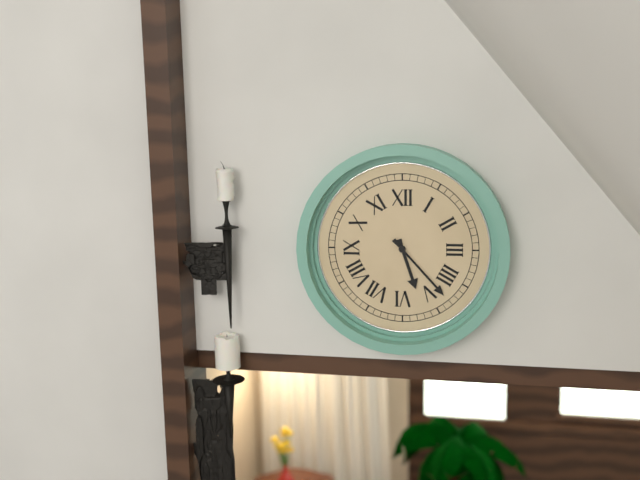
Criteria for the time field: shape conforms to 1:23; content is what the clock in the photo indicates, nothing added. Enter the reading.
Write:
5:23
